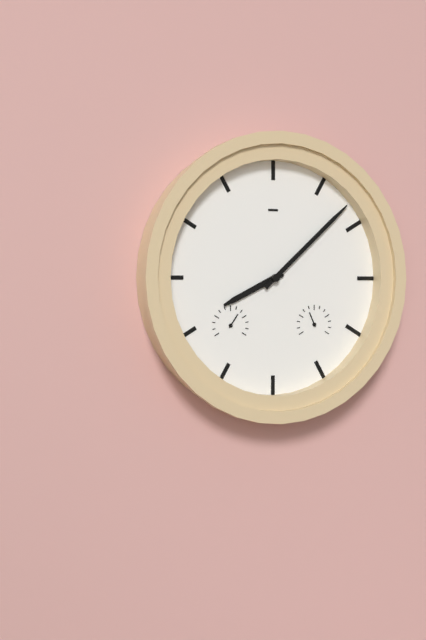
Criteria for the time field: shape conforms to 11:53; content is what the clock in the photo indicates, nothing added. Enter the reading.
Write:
8:08
